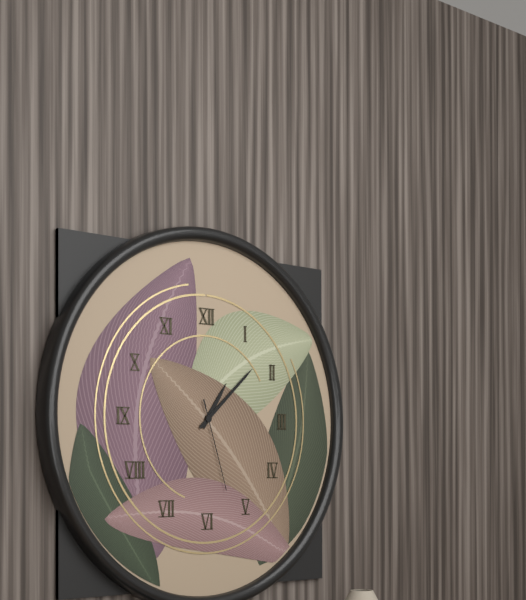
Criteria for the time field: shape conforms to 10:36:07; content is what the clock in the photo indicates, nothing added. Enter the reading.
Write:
1:08:27
